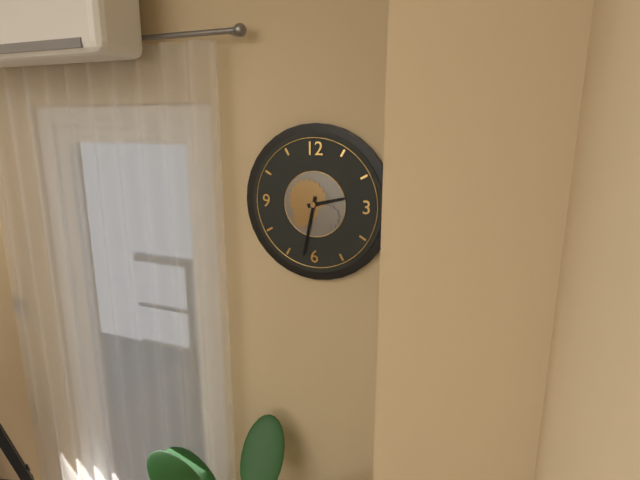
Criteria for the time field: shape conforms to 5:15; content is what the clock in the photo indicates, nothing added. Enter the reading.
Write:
2:32
